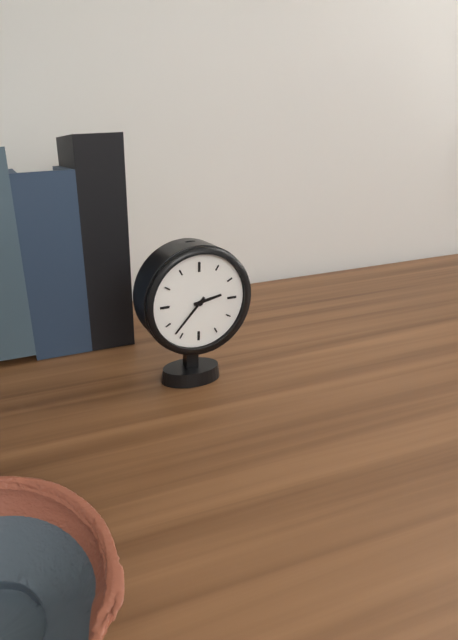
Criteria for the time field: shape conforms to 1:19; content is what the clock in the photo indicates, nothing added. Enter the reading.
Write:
2:37
